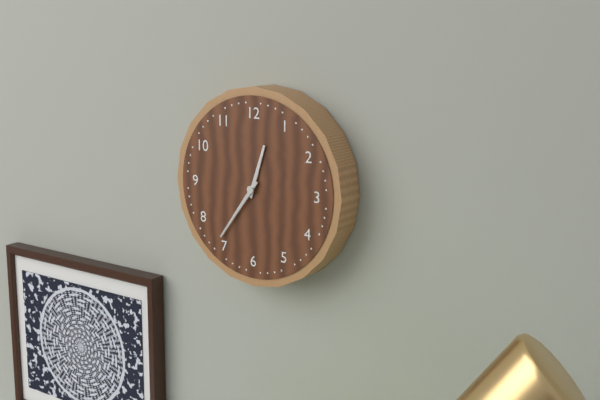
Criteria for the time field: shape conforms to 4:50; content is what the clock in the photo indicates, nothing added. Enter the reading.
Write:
12:36
